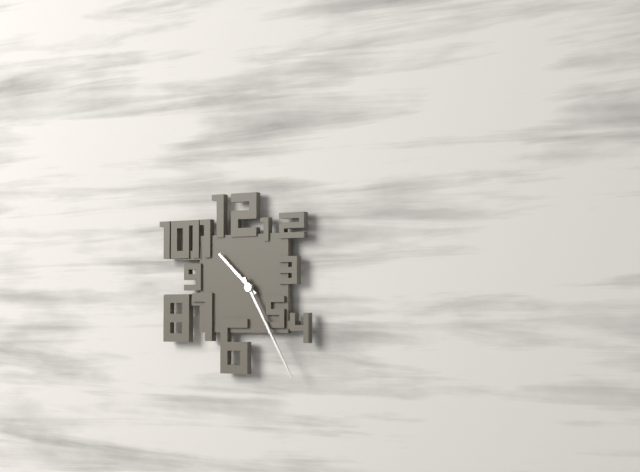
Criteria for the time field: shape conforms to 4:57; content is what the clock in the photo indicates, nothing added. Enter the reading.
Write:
10:25
